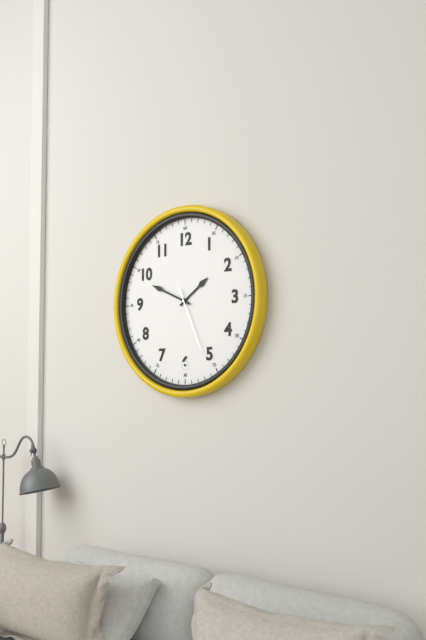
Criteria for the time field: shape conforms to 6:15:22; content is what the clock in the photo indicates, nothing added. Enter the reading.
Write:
1:49:26
